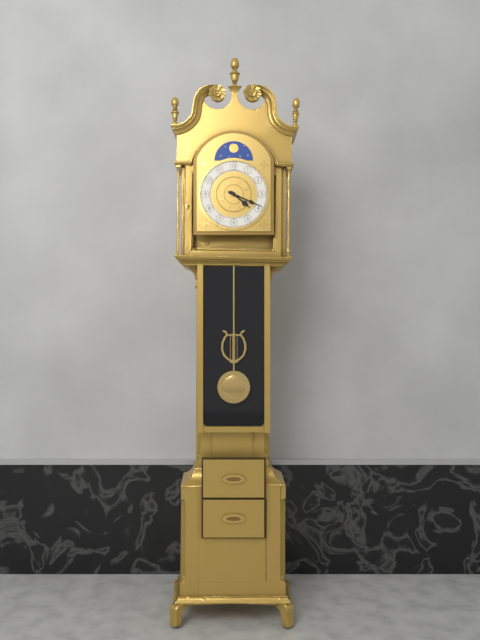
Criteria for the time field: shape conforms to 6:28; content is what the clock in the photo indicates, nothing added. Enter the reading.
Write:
4:19
